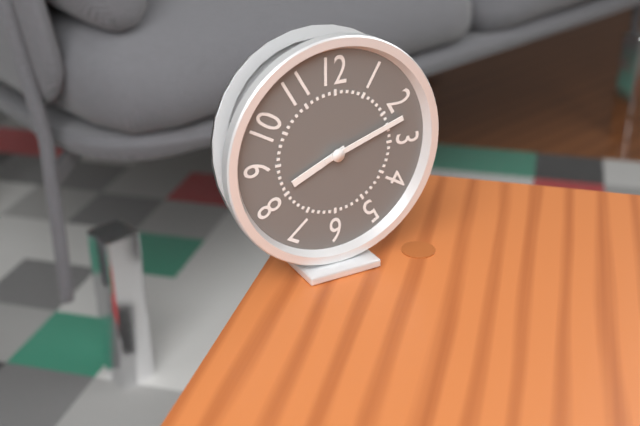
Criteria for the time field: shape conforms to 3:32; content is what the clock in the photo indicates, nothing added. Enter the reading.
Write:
8:12
